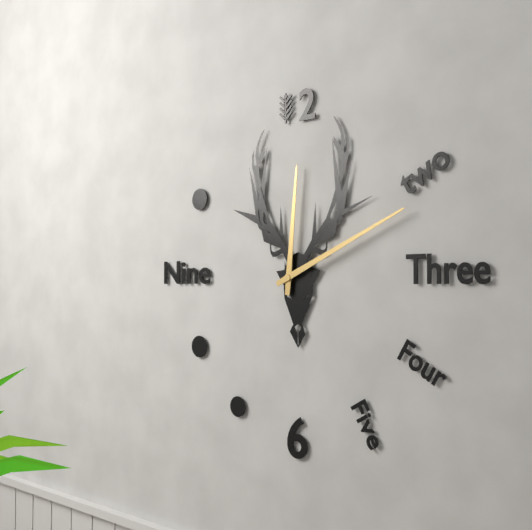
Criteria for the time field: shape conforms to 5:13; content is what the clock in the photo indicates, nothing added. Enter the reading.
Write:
12:11
